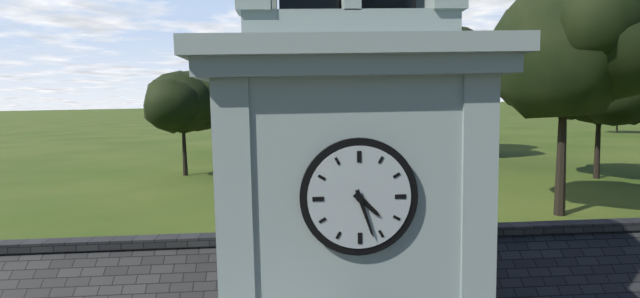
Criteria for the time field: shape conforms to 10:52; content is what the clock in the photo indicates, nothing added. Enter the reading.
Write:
4:27
